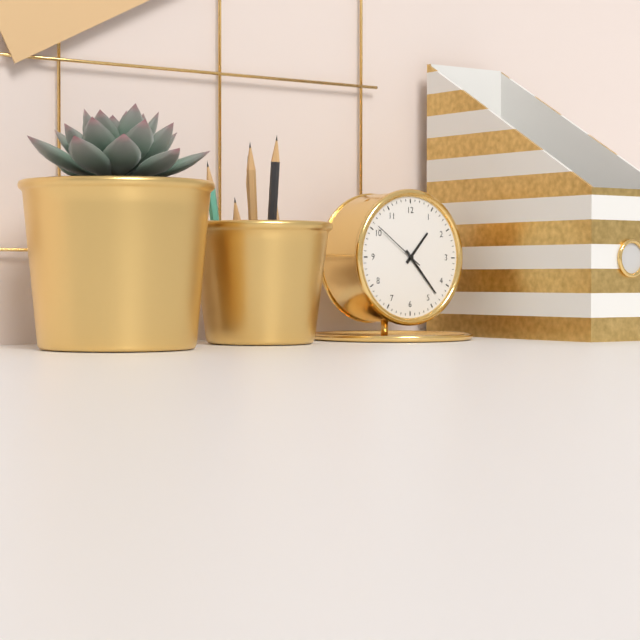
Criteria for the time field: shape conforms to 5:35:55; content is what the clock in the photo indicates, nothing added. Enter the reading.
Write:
1:23:51
